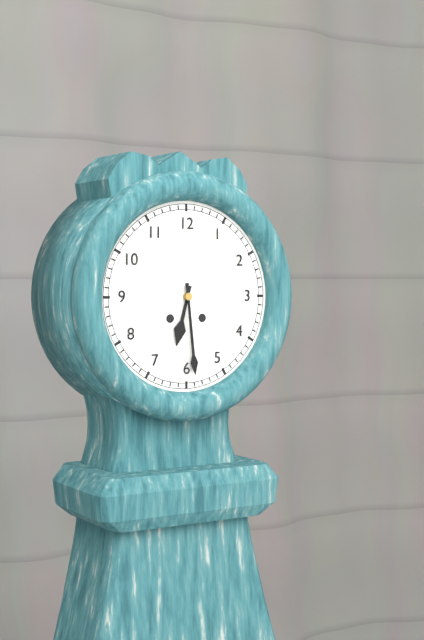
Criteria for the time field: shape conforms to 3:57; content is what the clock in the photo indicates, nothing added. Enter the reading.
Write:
6:29
